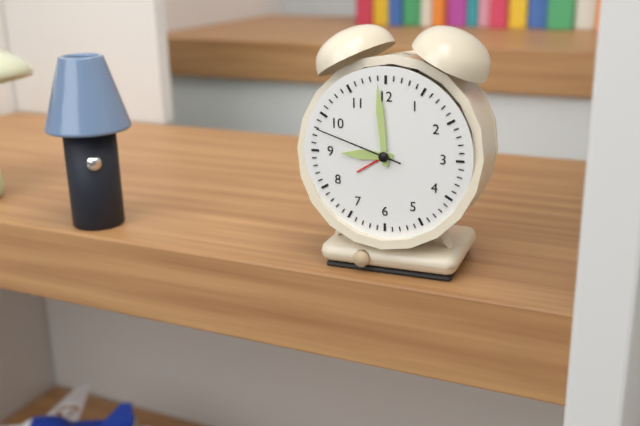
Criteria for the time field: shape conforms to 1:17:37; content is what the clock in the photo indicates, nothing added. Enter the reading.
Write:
8:59:48
